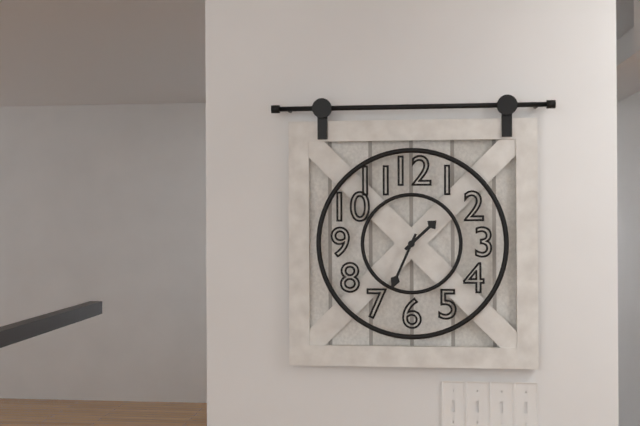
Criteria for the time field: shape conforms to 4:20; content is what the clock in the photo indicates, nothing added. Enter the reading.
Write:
1:34
